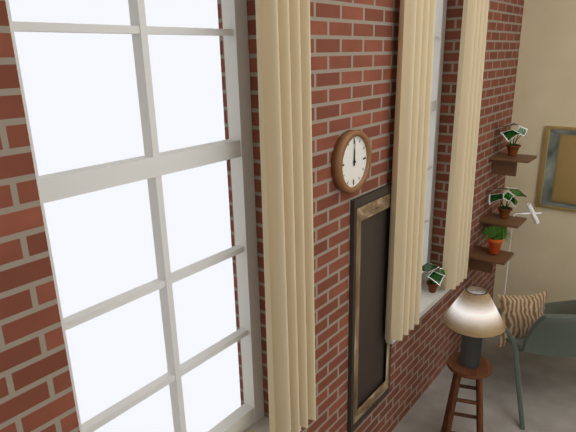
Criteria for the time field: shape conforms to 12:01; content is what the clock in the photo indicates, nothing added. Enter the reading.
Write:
12:00
